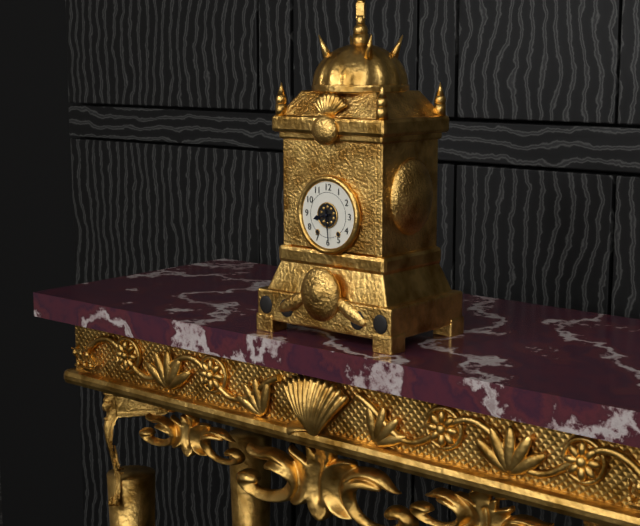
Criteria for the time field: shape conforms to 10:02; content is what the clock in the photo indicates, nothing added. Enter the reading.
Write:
8:29
